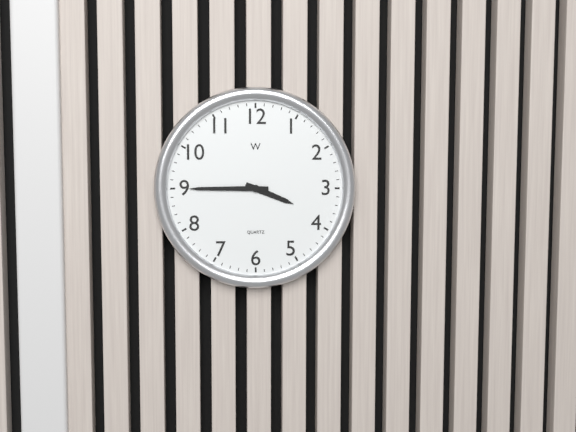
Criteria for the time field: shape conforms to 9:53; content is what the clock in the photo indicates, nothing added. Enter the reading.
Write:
3:45
